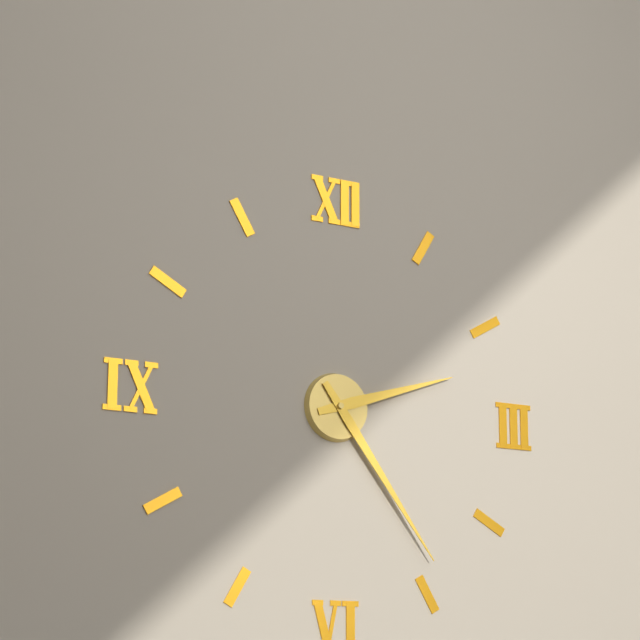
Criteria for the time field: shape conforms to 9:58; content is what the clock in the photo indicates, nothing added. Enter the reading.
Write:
2:24
